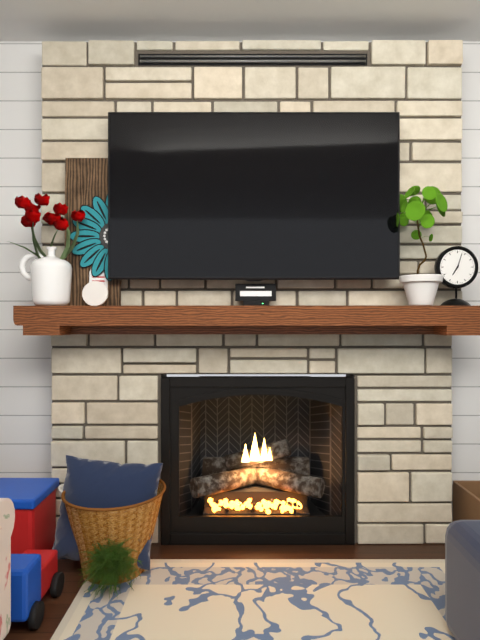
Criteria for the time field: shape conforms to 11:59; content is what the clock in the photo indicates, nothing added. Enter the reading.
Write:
7:03
